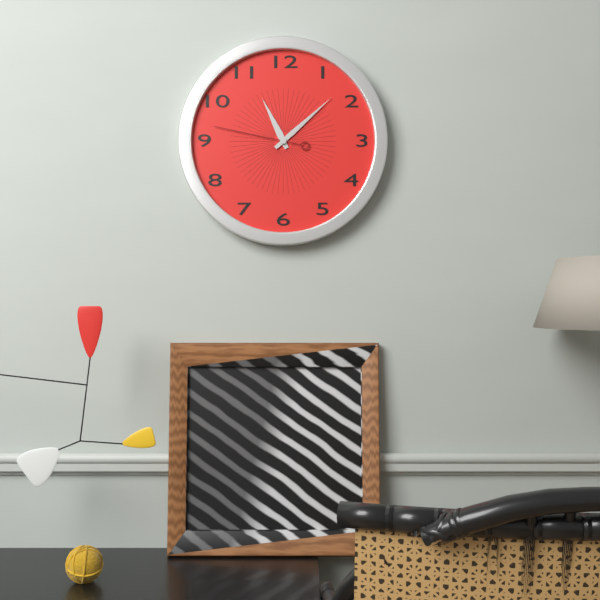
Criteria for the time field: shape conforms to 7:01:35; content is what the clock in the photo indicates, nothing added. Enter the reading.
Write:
11:08:47
